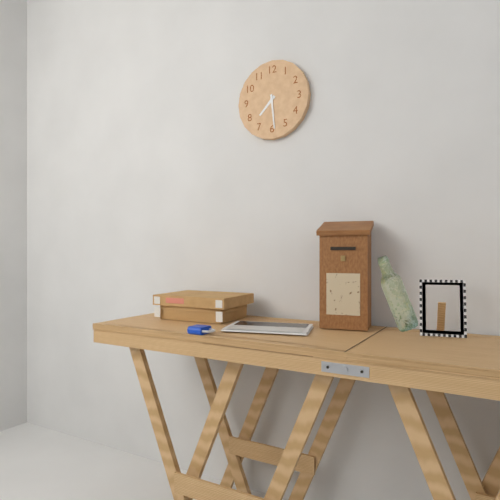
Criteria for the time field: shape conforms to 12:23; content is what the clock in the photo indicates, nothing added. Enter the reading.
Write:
7:29
